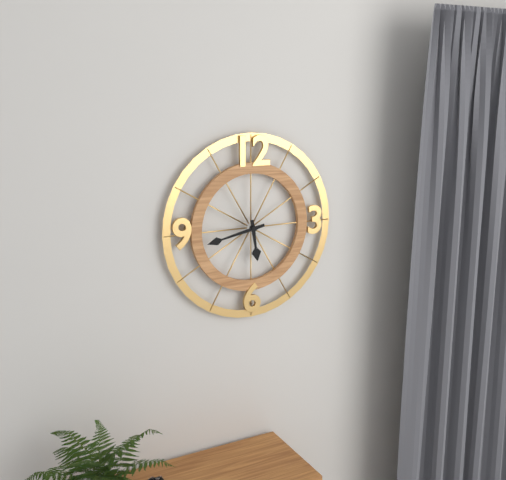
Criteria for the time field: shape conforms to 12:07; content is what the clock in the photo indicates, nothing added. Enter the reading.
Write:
5:43
